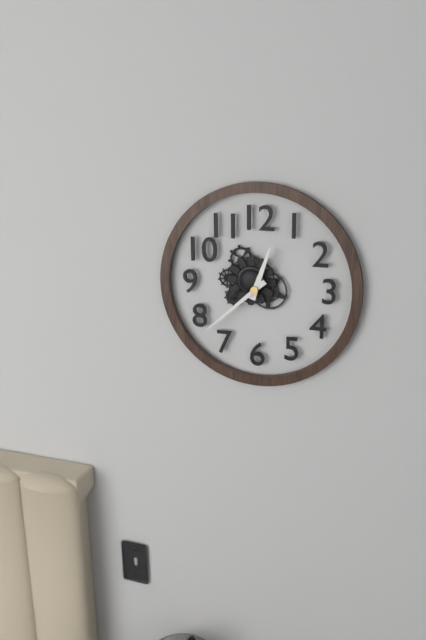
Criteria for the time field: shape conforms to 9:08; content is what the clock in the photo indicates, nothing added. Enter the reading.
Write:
12:38
